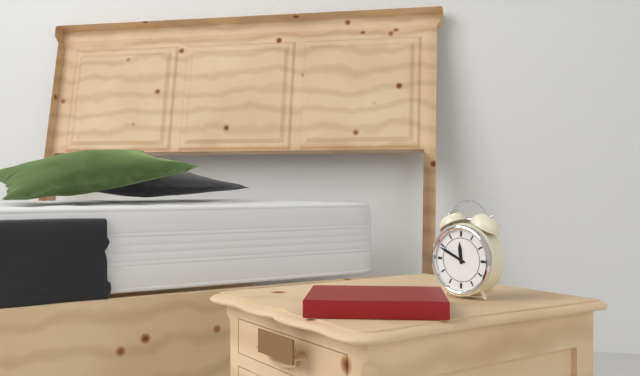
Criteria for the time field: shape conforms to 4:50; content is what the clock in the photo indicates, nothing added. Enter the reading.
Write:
11:49
